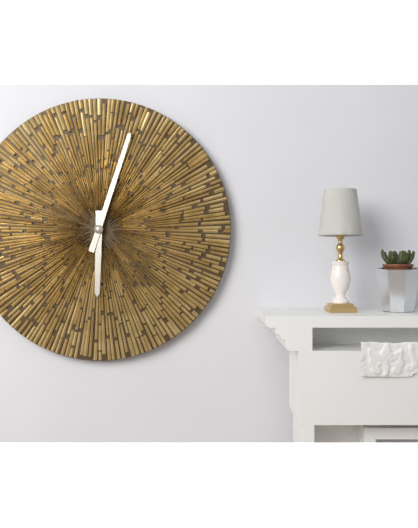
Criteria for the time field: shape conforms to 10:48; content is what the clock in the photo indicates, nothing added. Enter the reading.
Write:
6:03
